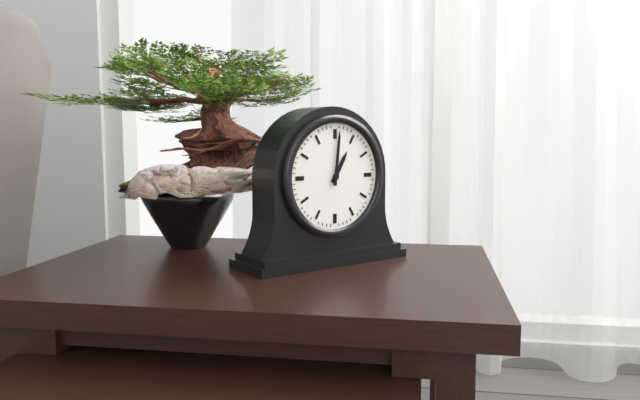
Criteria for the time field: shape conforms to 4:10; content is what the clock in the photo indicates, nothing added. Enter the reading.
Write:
1:01
